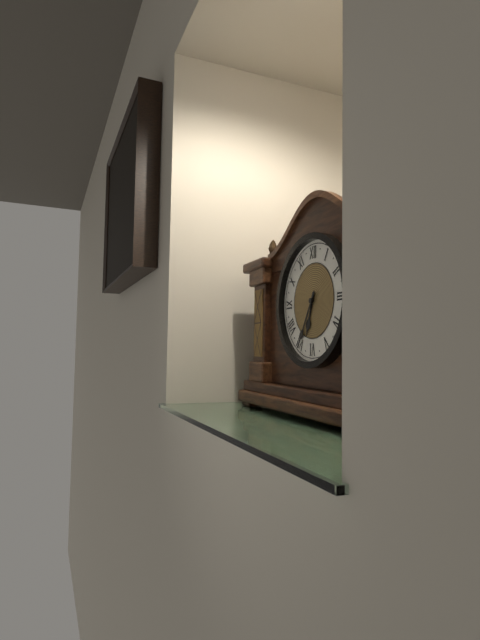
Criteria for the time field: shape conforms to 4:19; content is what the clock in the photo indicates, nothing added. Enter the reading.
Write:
6:35
